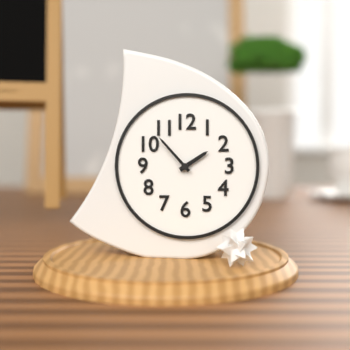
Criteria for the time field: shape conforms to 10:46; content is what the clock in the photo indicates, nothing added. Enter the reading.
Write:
1:53
